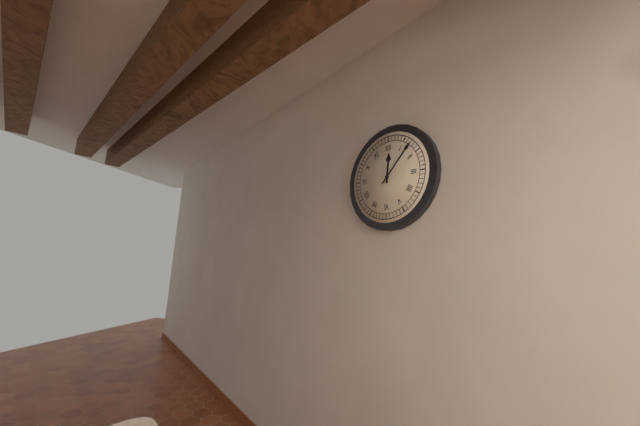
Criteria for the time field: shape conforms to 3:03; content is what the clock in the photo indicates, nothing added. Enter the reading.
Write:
12:07
